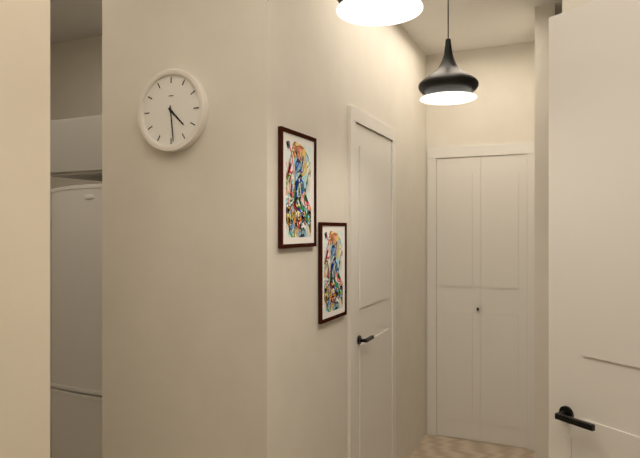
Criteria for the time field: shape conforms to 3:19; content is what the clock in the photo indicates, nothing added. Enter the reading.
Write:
4:29
